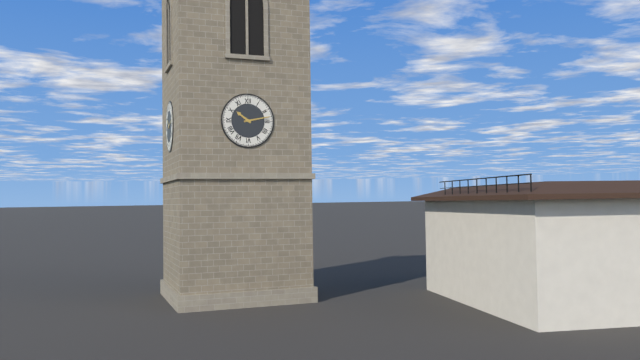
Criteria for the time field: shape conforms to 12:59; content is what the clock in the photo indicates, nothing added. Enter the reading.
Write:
10:13
